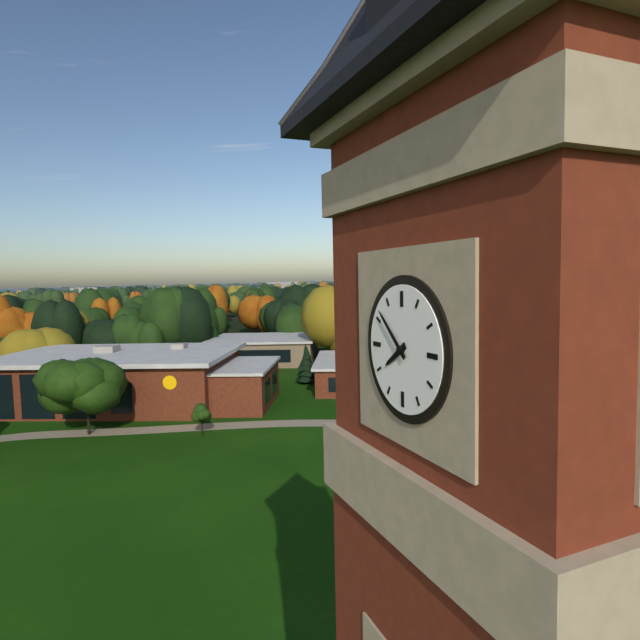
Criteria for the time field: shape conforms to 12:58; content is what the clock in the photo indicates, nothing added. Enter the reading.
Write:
7:52
